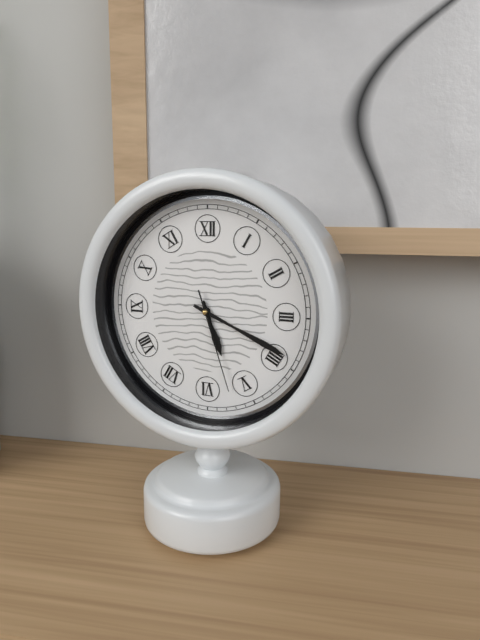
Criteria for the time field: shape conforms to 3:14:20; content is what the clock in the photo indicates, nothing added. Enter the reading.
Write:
5:19:27
